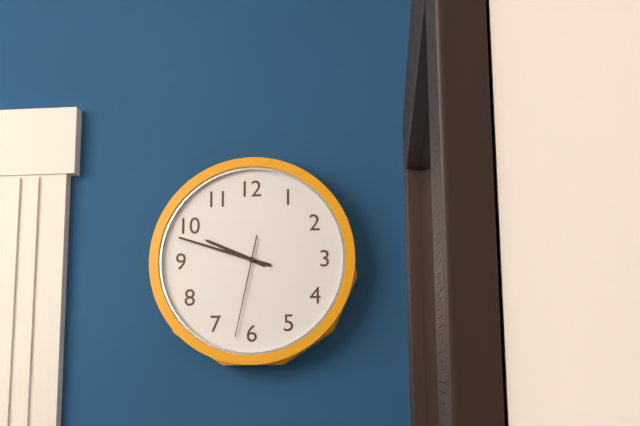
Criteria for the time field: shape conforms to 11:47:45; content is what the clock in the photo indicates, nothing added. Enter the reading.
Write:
9:48:32
